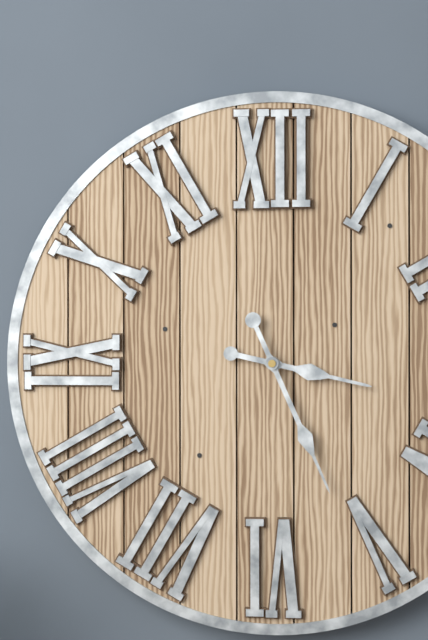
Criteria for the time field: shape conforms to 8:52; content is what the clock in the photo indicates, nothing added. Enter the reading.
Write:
3:26
